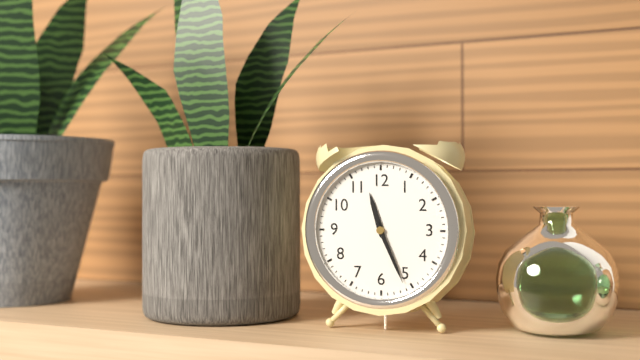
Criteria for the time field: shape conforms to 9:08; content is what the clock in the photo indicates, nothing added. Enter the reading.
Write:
11:26
